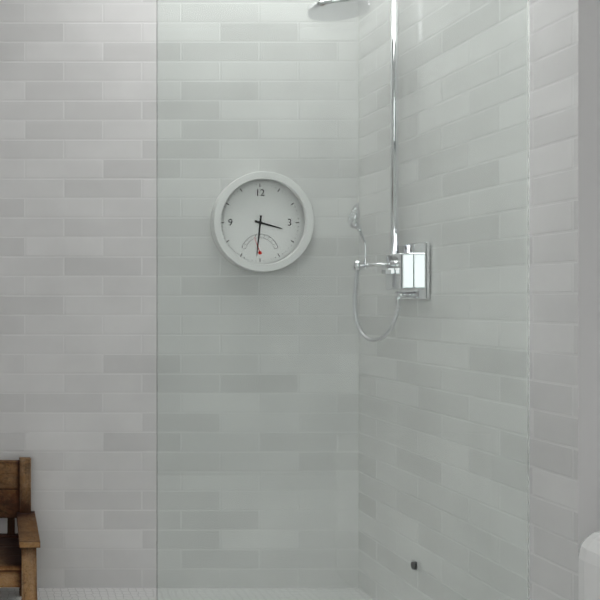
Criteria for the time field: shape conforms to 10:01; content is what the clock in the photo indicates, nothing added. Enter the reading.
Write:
3:31
